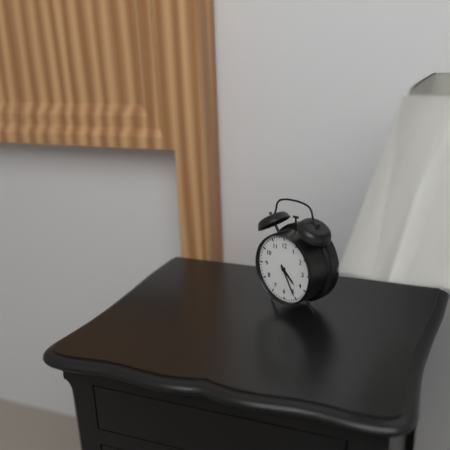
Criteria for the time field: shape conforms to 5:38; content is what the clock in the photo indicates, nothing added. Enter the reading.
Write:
4:25
